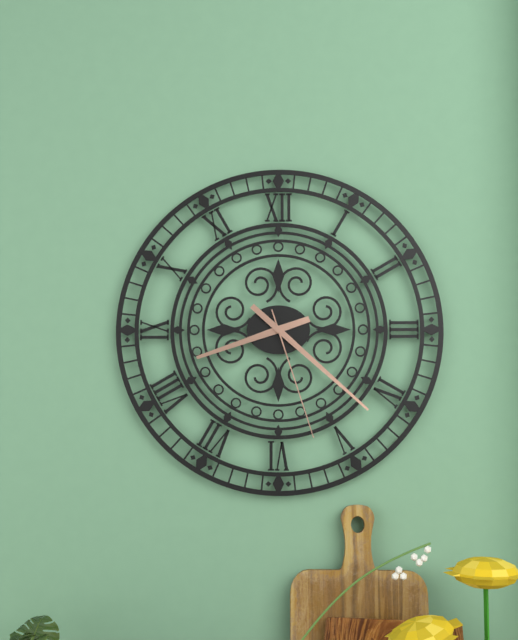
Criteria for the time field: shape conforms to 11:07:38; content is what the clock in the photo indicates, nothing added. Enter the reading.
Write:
8:22:27
